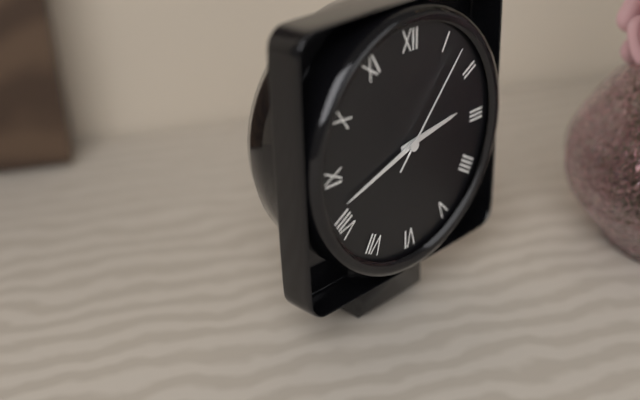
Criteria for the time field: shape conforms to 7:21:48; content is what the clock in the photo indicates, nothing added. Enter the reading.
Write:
2:42:07
